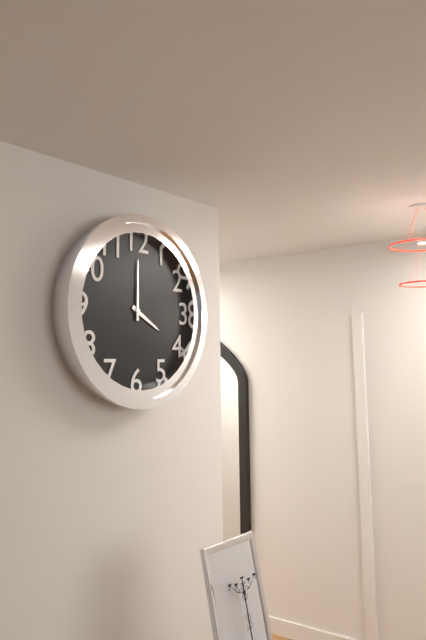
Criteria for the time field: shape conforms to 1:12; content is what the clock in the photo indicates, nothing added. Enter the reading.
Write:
4:00
